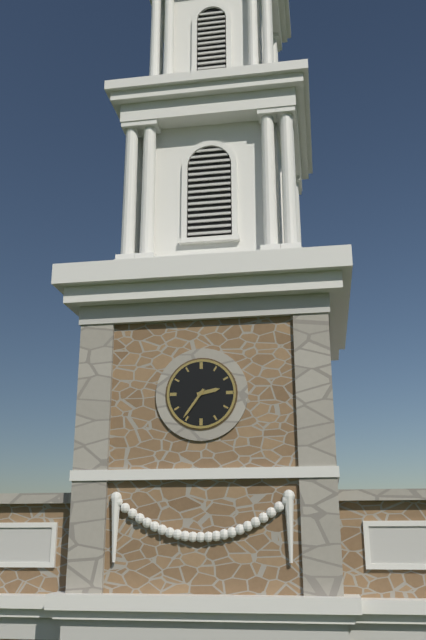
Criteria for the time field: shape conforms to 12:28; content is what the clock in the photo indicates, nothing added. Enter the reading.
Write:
2:36
